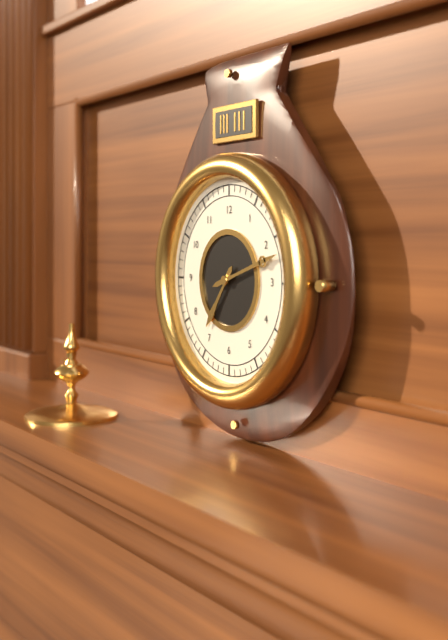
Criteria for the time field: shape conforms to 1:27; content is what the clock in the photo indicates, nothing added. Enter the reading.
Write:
7:12
